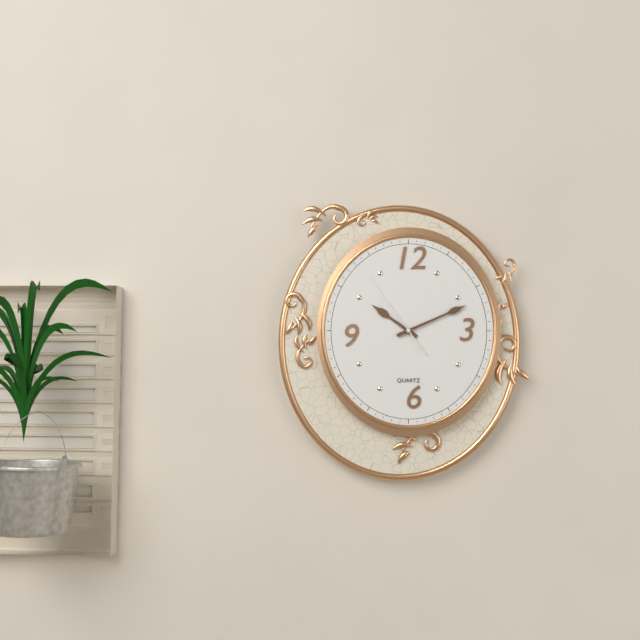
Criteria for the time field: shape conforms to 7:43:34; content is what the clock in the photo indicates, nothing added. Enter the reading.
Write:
10:11:54
